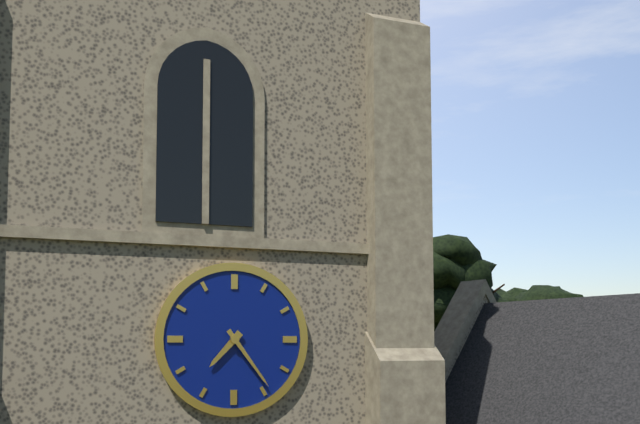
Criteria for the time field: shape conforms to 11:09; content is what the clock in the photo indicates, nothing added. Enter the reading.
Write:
7:24
